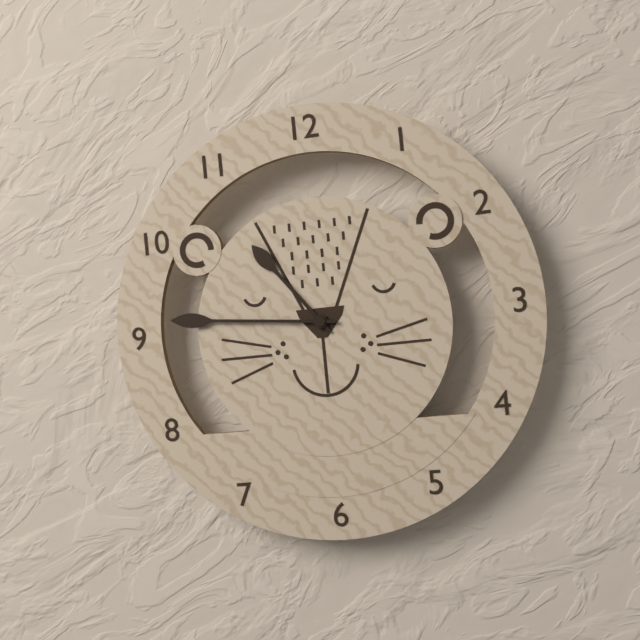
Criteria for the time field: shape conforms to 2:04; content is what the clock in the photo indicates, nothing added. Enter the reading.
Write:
10:46
